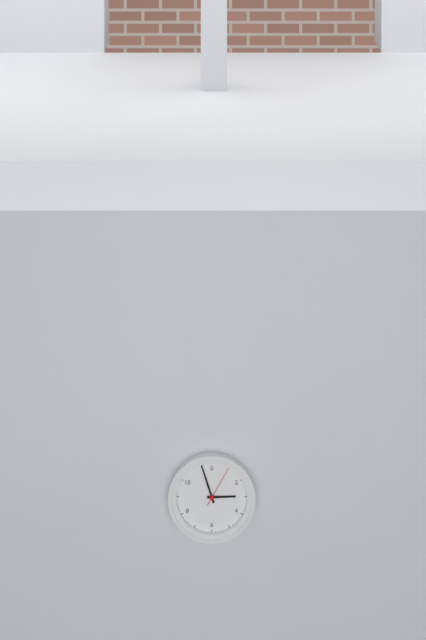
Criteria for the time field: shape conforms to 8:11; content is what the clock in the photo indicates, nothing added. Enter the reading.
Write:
2:57
